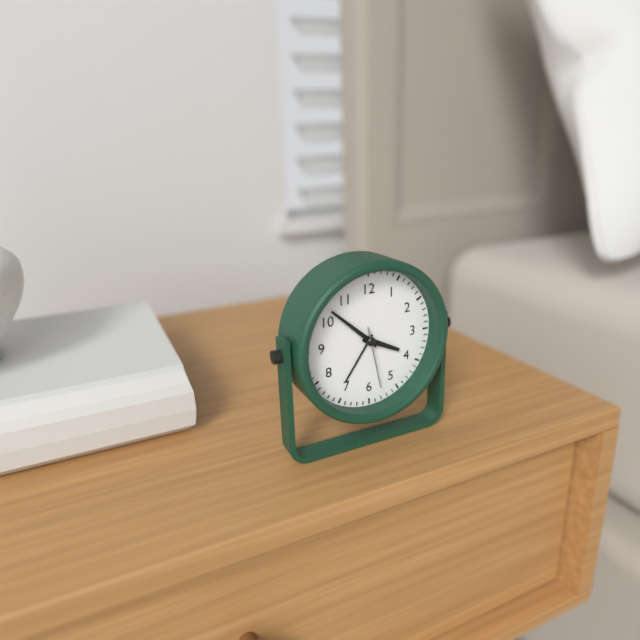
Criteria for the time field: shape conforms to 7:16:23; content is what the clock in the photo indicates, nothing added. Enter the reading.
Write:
3:52:28
